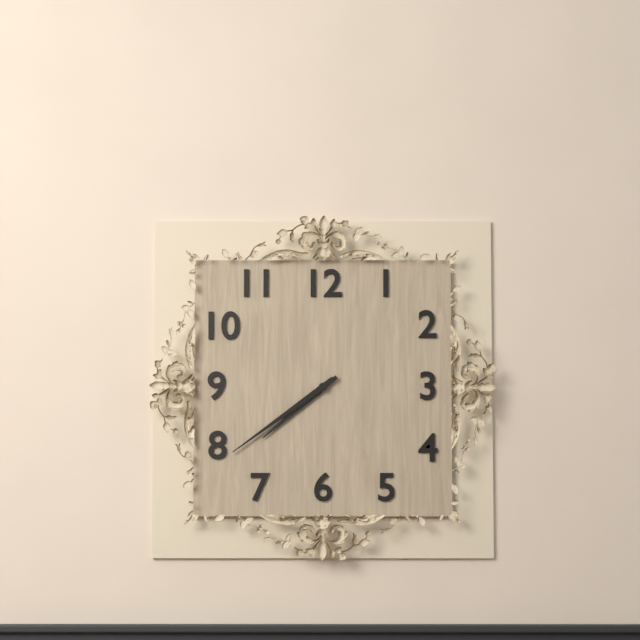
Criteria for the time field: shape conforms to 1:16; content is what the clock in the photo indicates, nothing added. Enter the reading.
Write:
7:39
